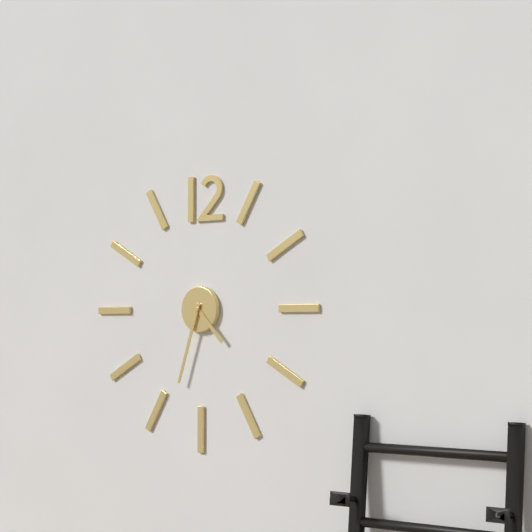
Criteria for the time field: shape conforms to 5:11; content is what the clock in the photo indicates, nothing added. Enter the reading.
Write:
4:33
